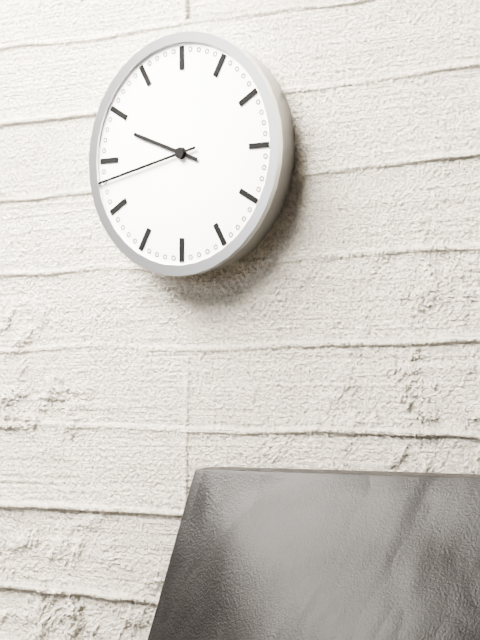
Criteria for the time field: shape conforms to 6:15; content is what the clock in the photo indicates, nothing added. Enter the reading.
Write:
9:43
